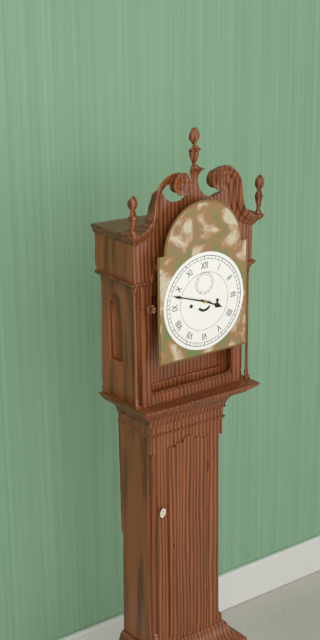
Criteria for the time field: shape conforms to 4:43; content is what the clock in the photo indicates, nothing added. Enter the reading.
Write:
3:48
